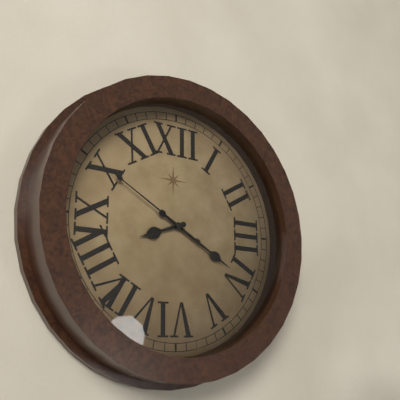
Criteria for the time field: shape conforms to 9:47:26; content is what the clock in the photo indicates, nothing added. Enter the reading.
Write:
8:20:50
